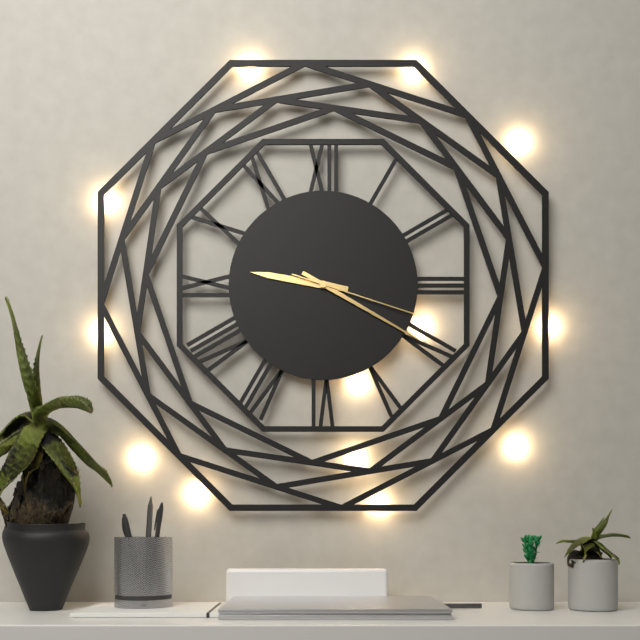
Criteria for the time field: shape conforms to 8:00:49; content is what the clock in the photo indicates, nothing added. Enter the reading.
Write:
9:20:18
